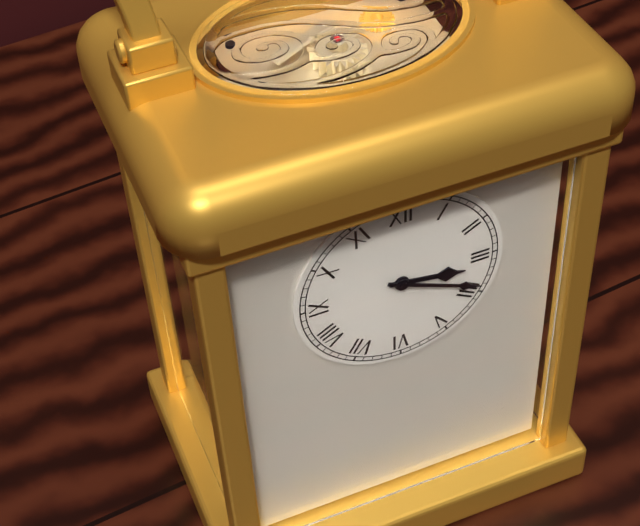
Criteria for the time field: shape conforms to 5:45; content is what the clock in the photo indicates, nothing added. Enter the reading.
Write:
3:19
